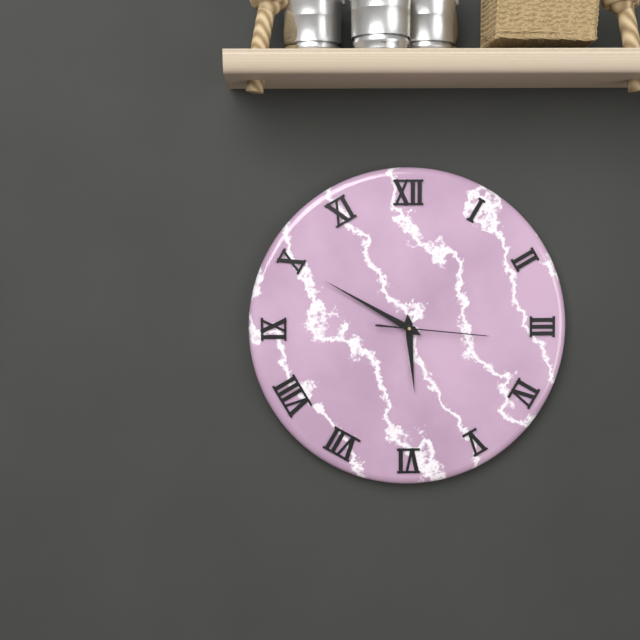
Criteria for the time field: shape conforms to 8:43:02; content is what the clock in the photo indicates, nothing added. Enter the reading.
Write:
5:50:16
